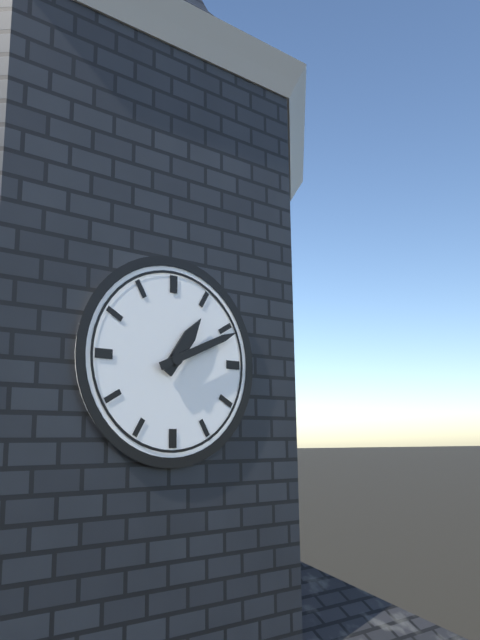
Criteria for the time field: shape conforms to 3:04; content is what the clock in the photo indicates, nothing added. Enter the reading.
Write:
1:11
